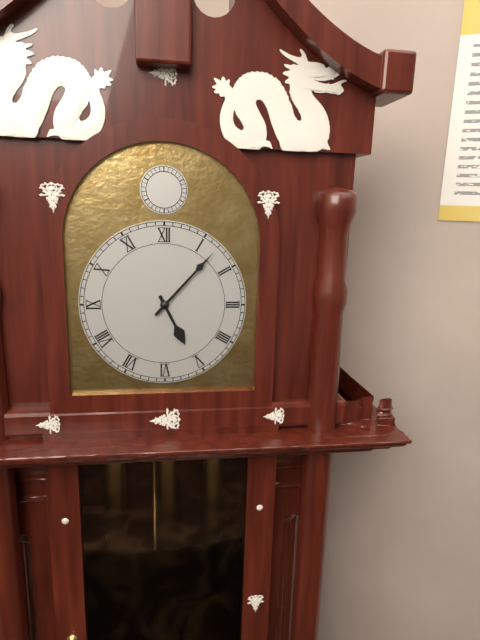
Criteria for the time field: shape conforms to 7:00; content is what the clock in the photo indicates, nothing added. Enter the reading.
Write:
5:07
